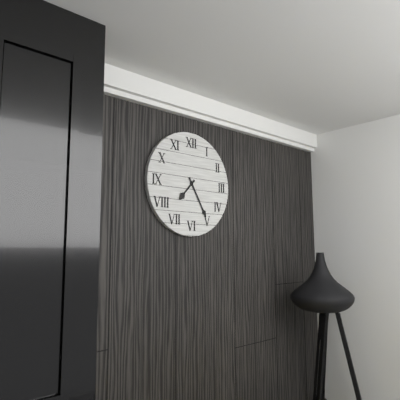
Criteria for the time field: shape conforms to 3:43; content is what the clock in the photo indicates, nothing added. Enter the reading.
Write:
7:25
